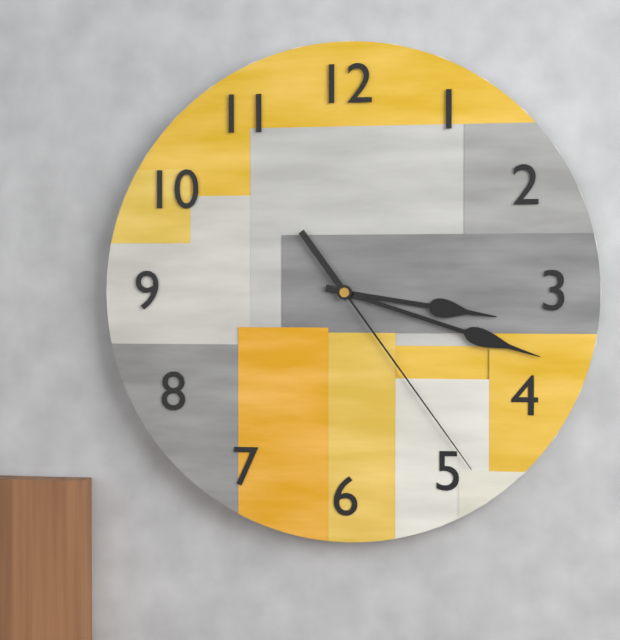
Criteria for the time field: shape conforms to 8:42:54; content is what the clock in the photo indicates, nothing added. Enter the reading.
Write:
3:18:24
